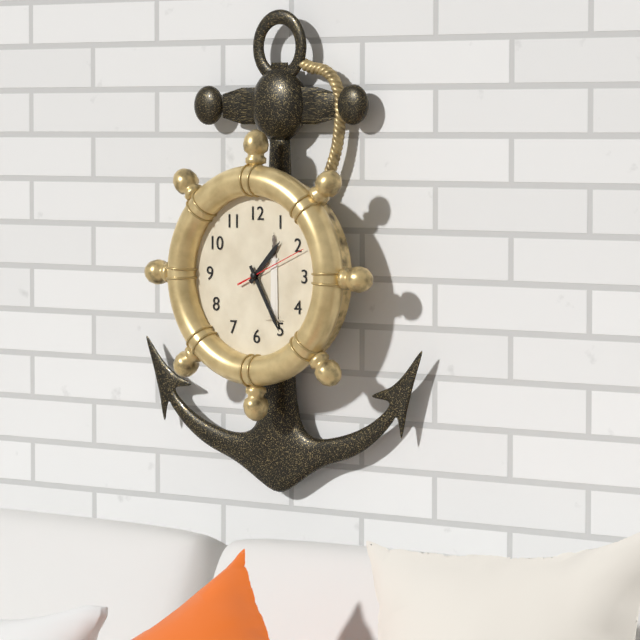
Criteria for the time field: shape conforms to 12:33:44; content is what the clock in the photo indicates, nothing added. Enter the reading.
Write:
1:25:11
